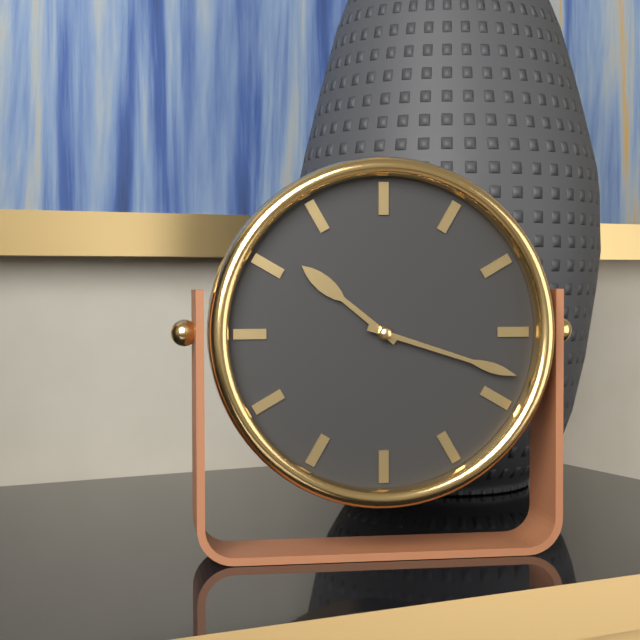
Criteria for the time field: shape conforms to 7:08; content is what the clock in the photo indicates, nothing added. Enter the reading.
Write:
10:18
